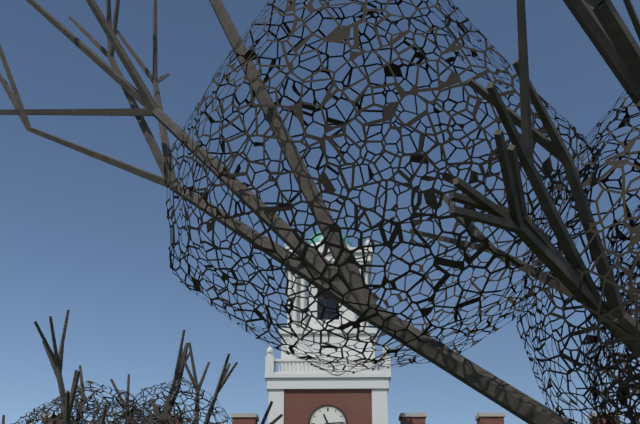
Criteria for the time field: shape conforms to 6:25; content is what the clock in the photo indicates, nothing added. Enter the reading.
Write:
11:14
